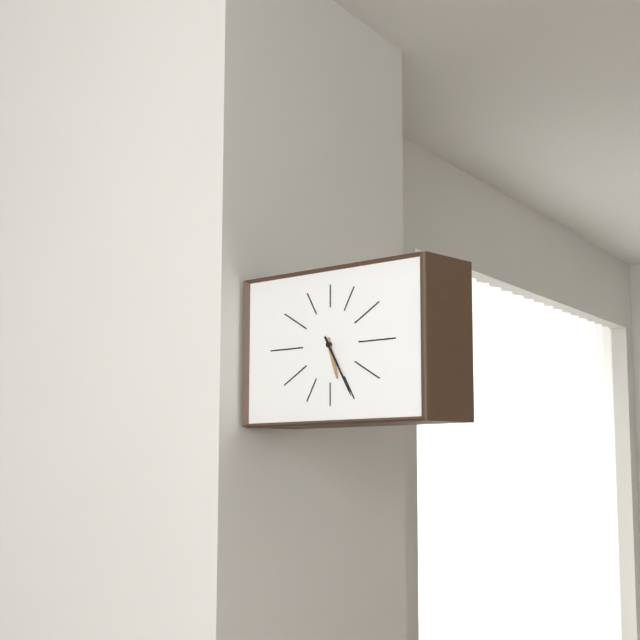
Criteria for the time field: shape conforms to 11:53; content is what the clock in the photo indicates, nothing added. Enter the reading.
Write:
5:25
